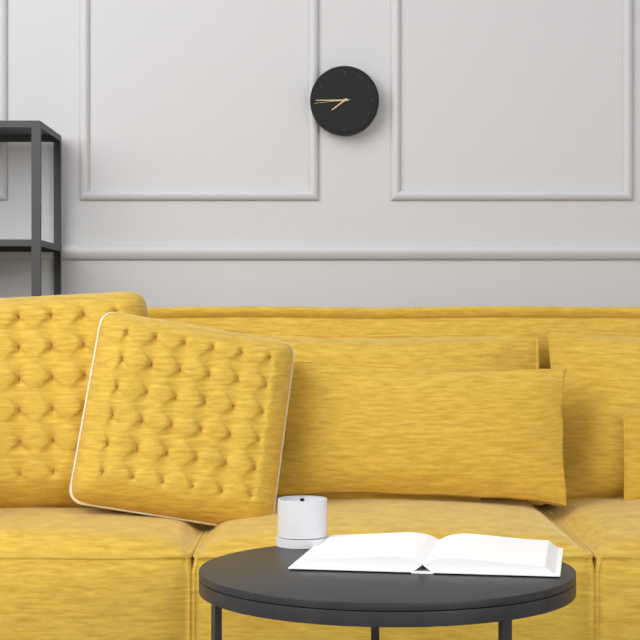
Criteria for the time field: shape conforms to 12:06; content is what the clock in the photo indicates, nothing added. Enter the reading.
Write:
7:45
